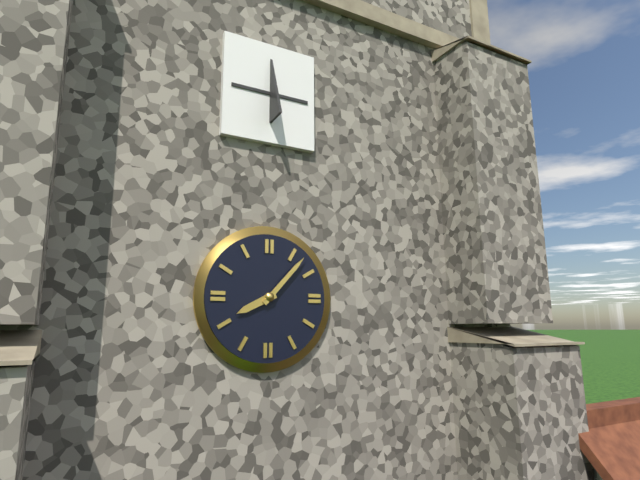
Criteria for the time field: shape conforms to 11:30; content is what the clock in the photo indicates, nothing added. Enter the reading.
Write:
8:07
